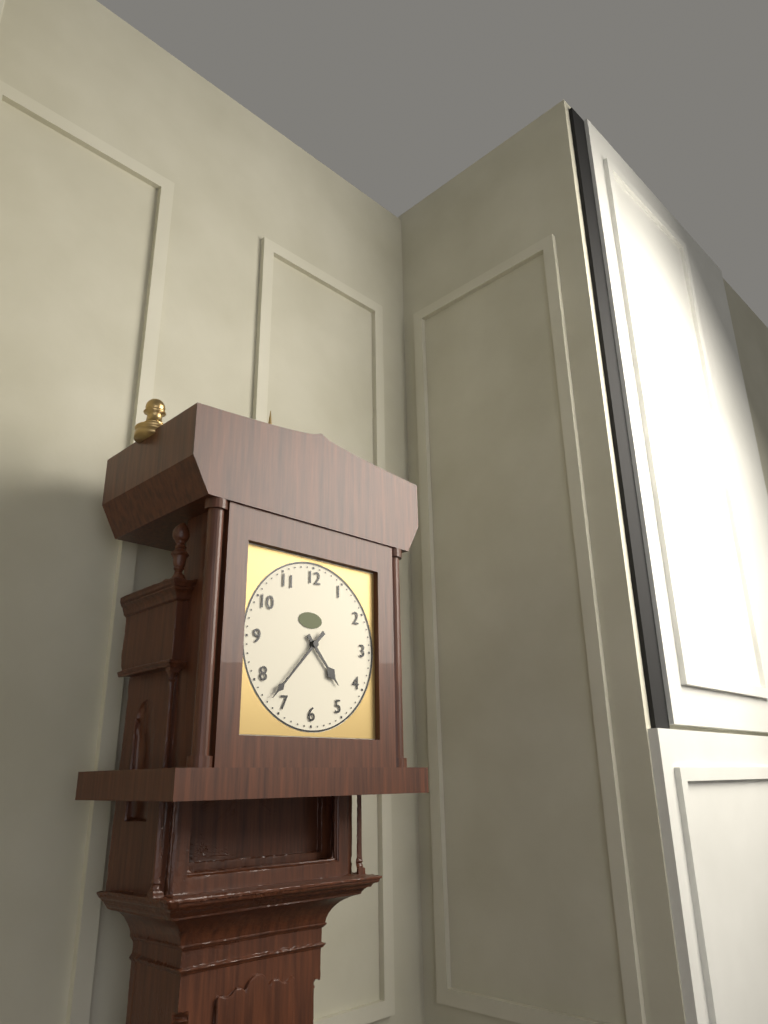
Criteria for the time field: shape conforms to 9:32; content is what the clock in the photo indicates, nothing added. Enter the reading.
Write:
4:37
